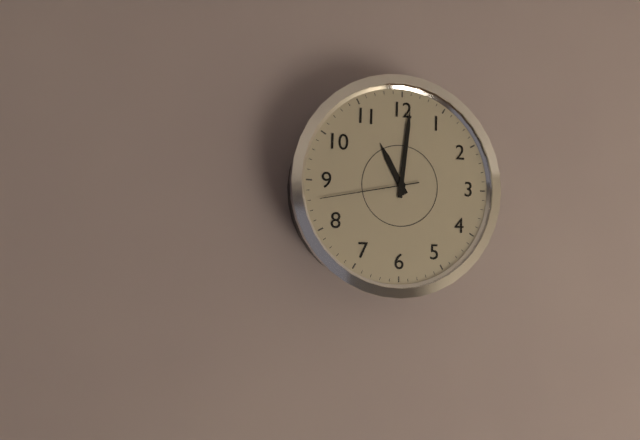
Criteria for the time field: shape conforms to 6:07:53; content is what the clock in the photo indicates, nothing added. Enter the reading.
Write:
11:01:43
